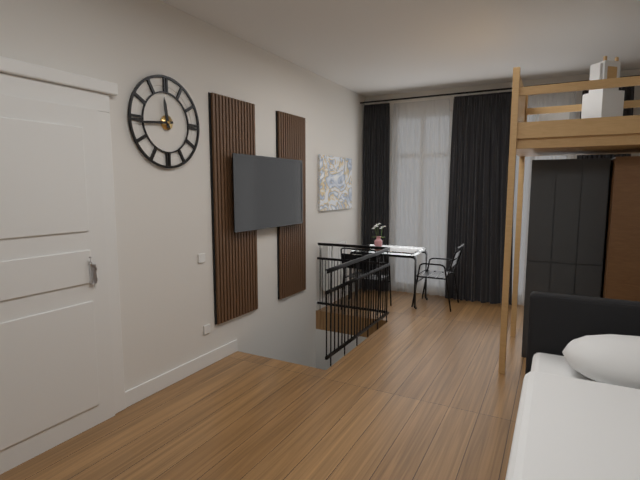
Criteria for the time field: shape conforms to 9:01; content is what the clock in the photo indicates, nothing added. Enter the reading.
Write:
11:44
